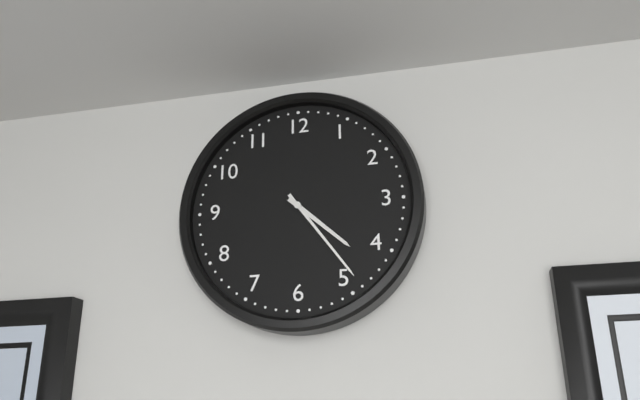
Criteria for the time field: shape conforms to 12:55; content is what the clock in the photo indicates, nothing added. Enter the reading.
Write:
4:24
